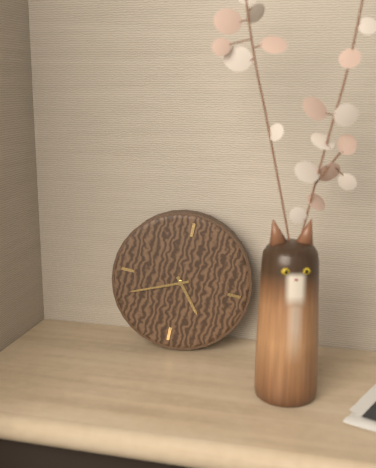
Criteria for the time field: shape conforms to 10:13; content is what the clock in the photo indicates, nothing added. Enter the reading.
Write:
4:41
